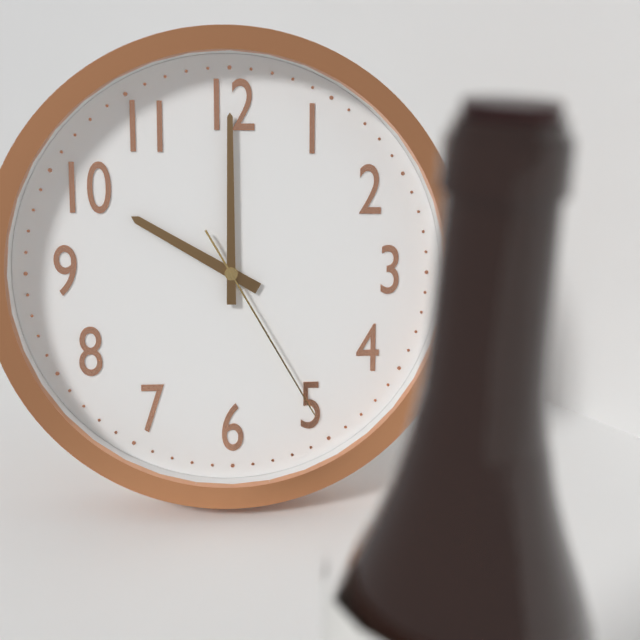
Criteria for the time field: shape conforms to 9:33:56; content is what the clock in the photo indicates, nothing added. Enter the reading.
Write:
10:00:25
